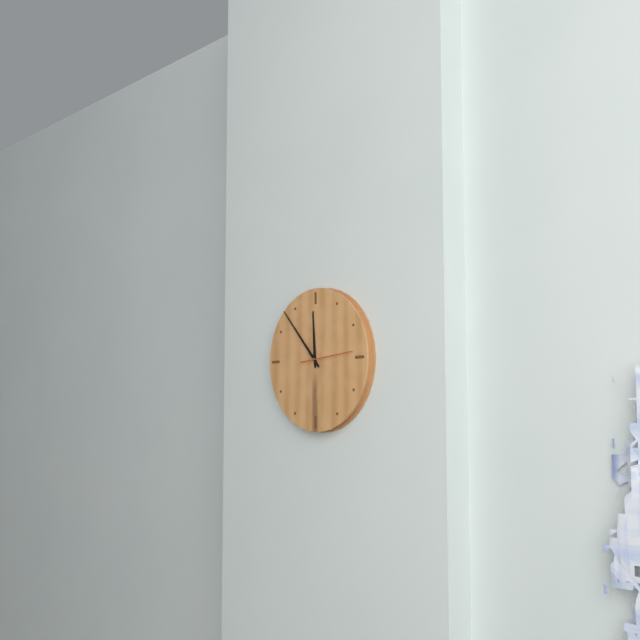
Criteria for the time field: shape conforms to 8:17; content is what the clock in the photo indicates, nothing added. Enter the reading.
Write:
11:53
